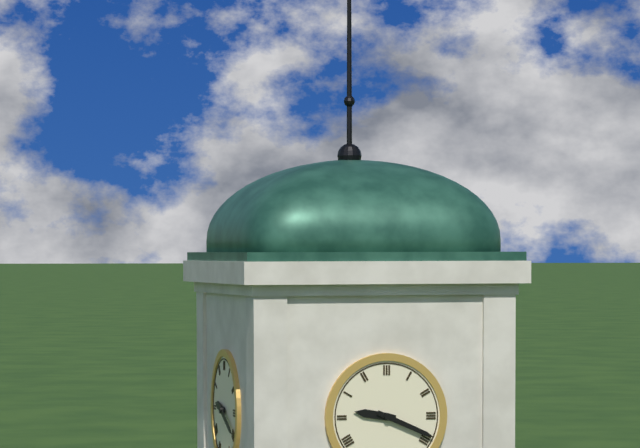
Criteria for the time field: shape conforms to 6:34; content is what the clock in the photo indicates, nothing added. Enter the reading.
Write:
9:19
